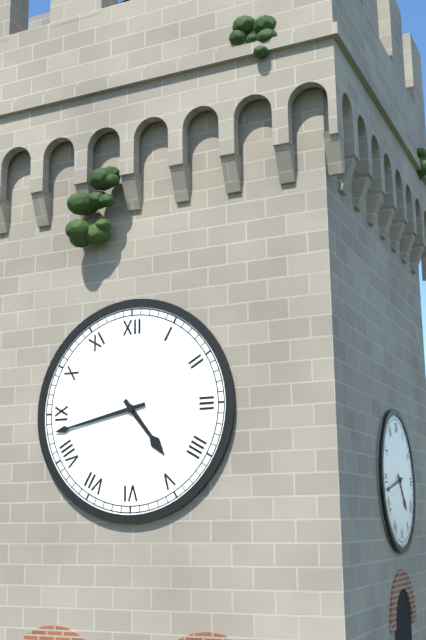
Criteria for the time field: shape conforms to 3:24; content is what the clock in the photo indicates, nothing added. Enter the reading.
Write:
4:43
